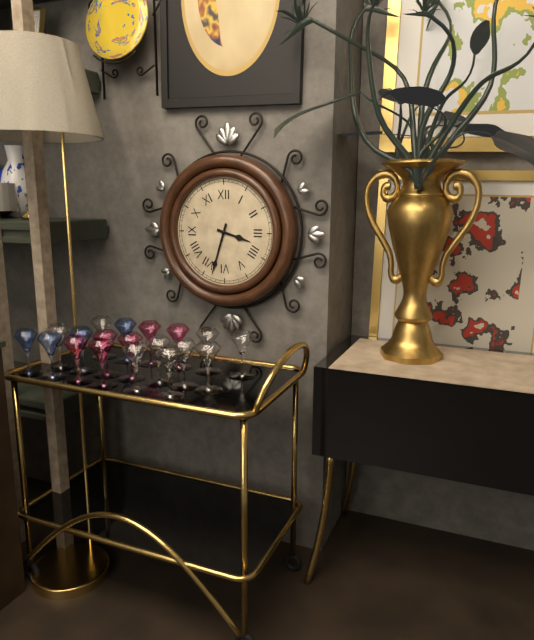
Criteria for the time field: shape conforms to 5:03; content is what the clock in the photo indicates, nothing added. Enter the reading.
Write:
3:33
